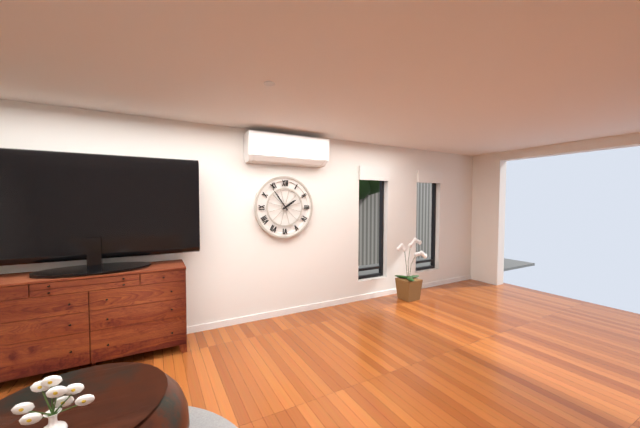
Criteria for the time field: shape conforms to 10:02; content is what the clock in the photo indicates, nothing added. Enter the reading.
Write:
1:54
